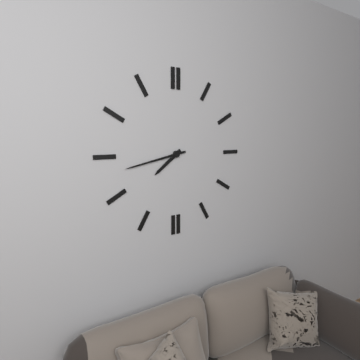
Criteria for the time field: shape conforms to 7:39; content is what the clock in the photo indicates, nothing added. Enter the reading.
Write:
7:43
